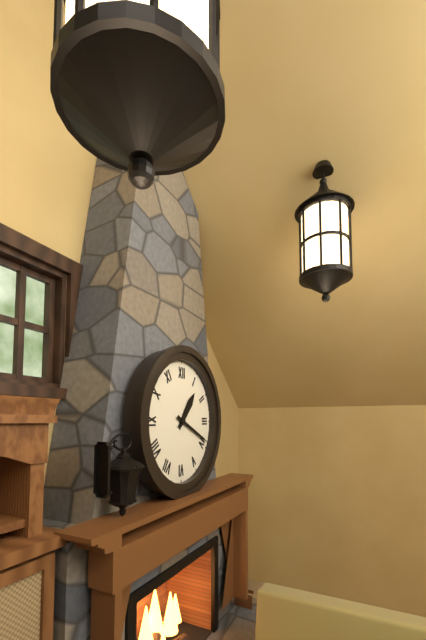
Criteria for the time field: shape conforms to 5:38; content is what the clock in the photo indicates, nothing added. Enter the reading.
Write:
1:19
